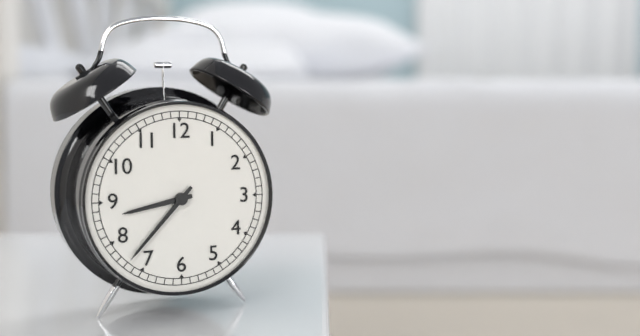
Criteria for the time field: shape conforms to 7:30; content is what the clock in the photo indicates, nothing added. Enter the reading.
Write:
8:37
